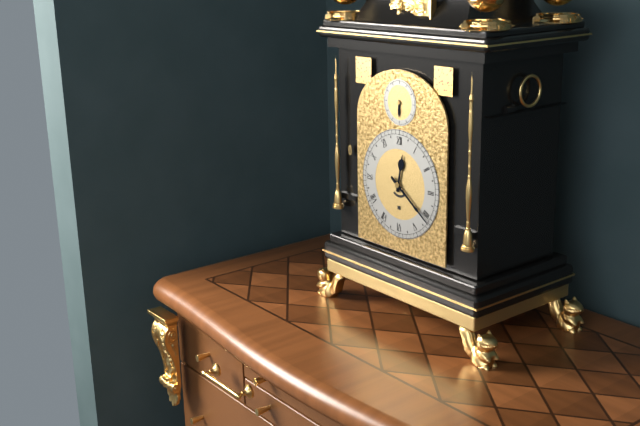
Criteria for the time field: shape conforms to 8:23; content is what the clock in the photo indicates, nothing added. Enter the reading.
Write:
12:21
